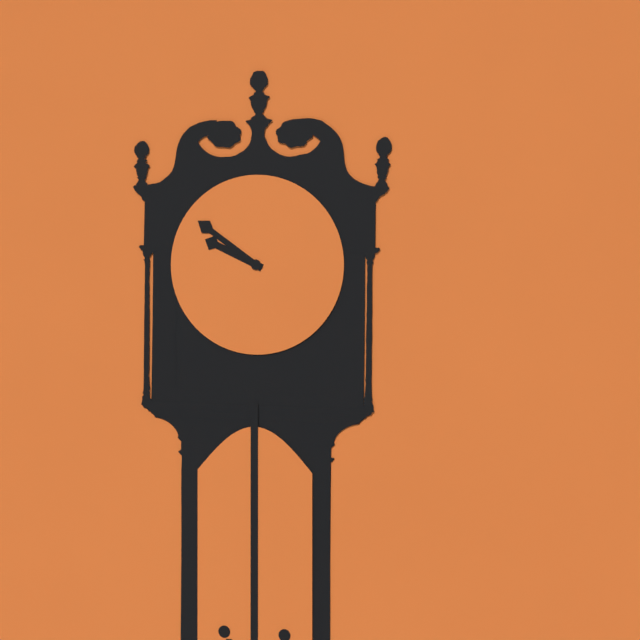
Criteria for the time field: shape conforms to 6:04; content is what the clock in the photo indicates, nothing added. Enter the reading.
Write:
9:51
